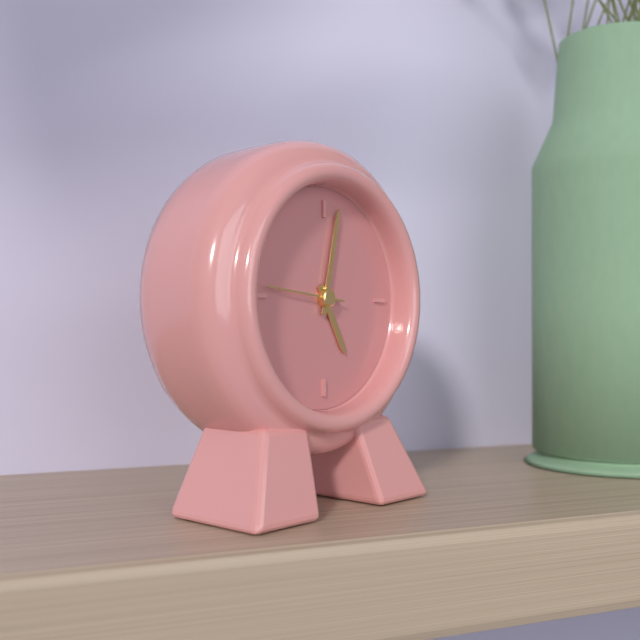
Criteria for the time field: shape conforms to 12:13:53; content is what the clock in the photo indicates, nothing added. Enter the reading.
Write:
5:02:46
